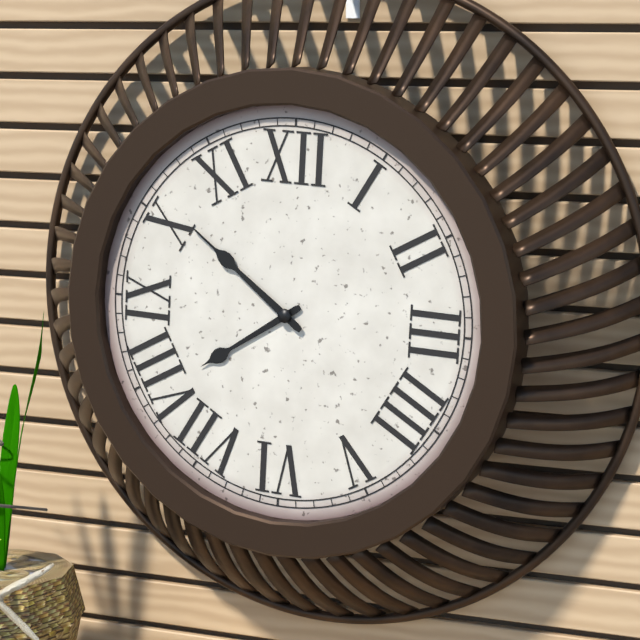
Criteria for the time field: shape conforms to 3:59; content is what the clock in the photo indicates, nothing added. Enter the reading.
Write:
7:51
